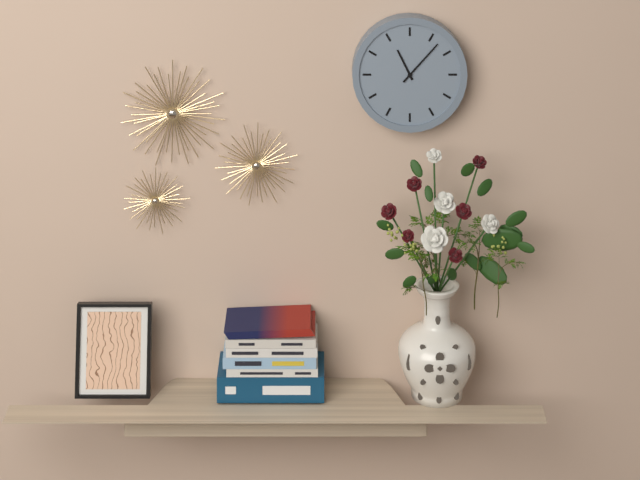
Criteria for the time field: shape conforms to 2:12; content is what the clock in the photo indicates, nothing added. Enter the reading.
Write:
11:07
